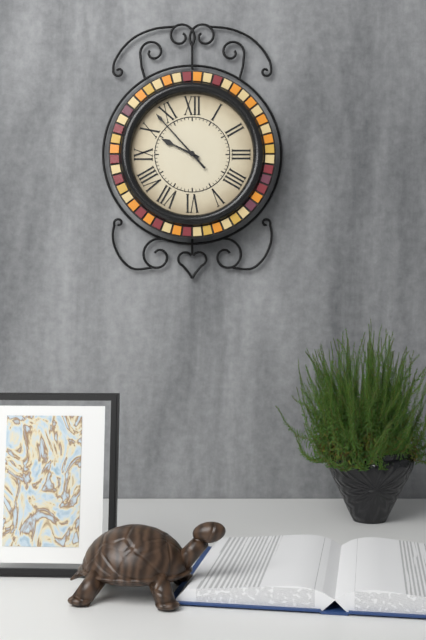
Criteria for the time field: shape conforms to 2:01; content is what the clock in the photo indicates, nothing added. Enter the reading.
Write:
9:53
